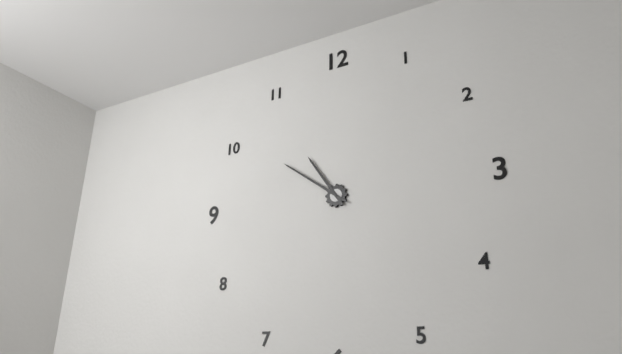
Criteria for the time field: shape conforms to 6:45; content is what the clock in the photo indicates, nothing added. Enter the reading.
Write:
10:51
